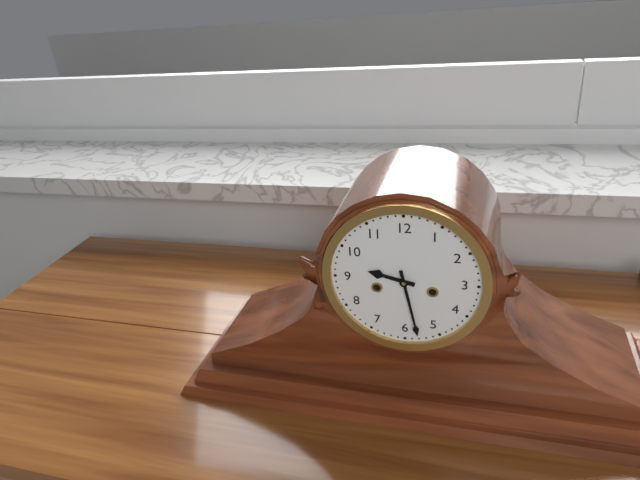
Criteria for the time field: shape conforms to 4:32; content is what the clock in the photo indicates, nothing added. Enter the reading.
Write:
9:28
